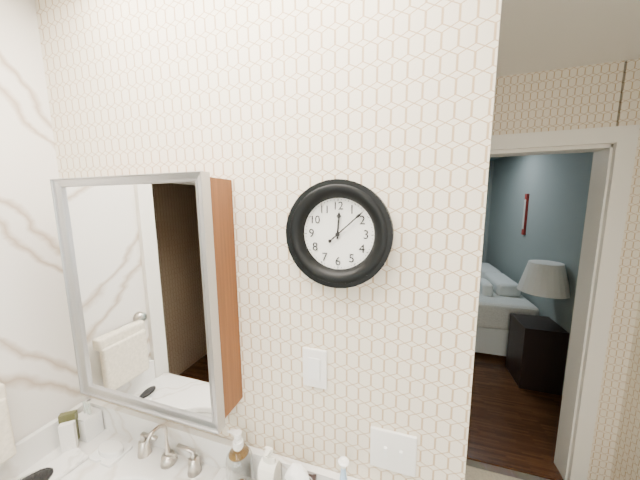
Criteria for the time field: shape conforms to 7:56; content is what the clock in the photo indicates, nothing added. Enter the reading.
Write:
12:08
